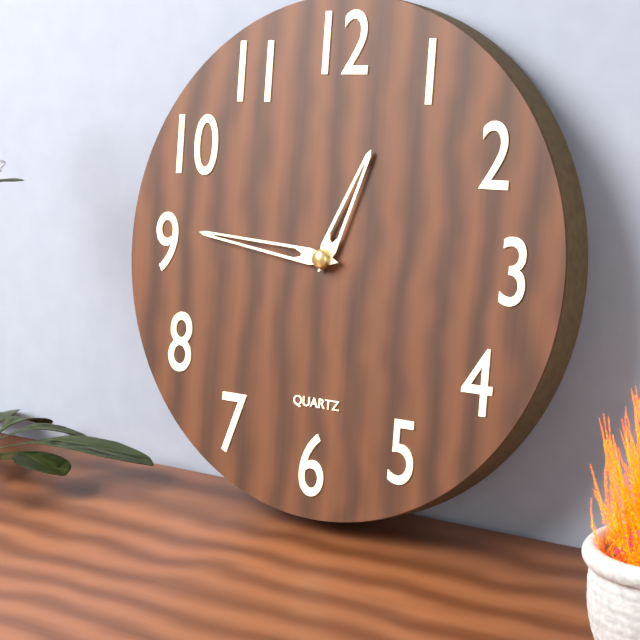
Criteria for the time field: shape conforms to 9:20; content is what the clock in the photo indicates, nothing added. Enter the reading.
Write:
12:46
